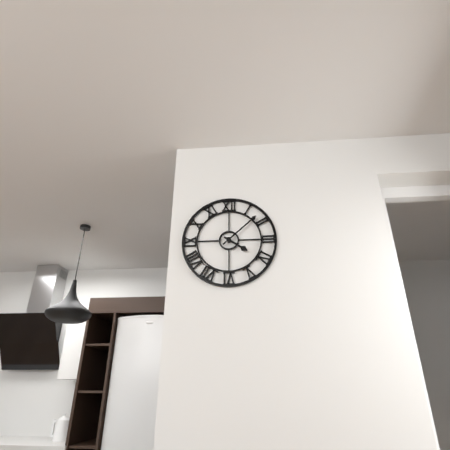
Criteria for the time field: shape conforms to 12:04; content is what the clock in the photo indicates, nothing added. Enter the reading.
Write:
4:08
